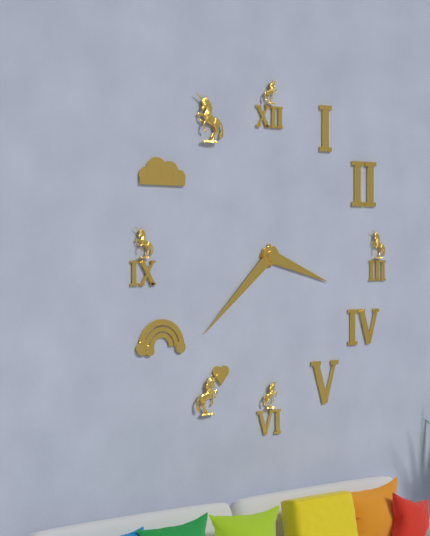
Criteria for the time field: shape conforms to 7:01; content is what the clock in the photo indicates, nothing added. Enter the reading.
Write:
3:38
